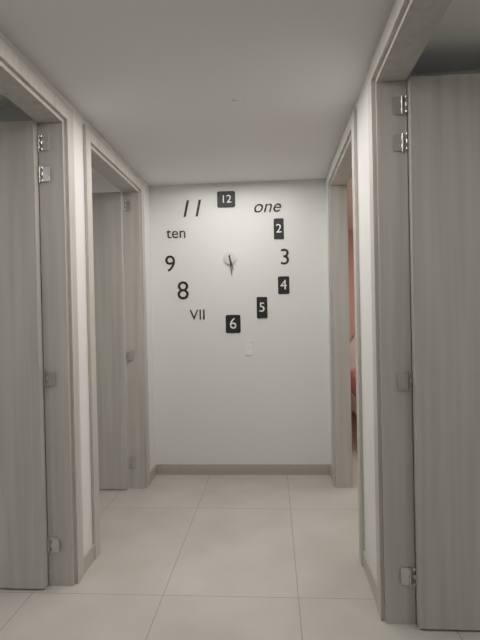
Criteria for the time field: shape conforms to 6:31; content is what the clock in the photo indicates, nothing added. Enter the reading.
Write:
5:29
